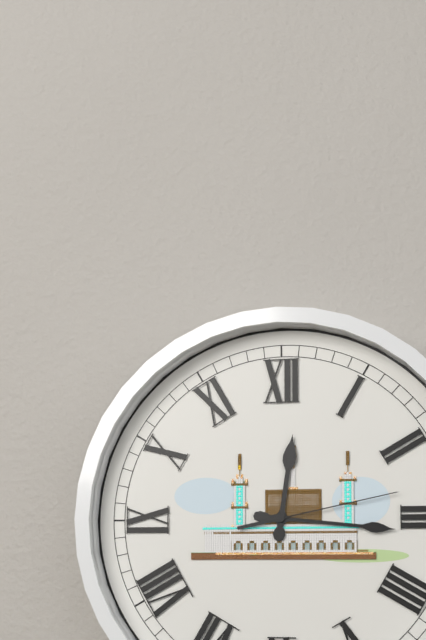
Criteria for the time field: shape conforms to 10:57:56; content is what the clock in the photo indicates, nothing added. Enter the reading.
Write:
12:16:13
